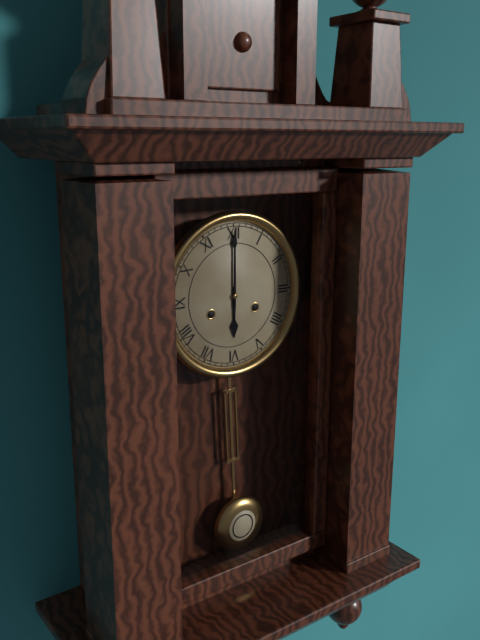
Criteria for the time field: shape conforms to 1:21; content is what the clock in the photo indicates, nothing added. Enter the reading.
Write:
6:00
